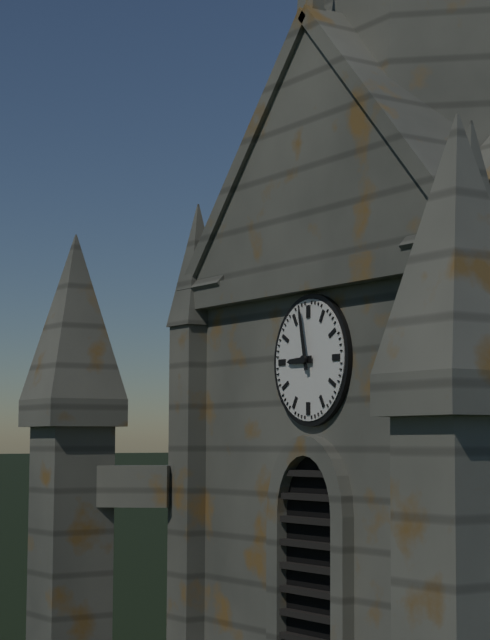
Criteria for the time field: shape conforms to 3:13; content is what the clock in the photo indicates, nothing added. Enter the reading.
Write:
8:58
